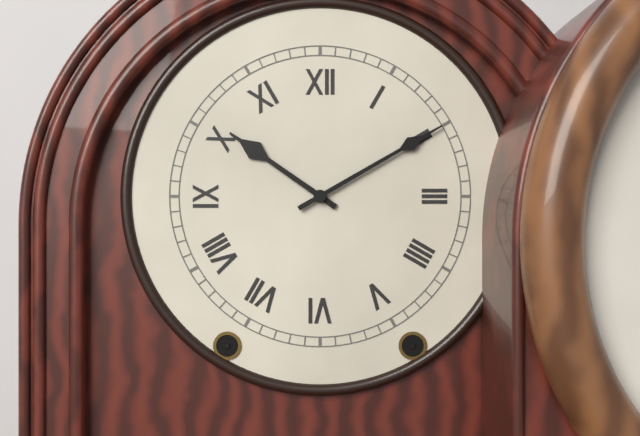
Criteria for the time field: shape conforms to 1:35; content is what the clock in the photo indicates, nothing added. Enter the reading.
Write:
10:10
